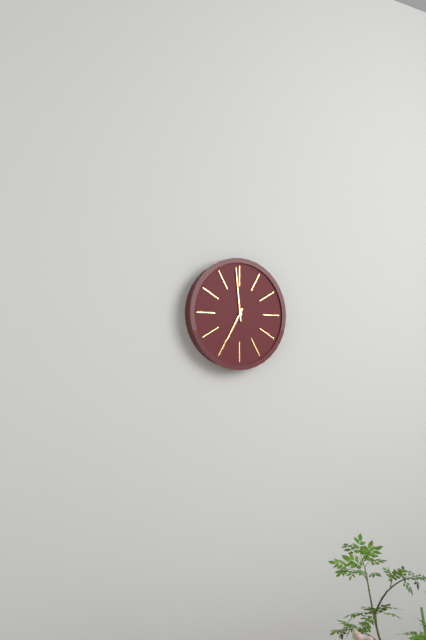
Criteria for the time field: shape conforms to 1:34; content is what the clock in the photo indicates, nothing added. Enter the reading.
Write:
6:59
